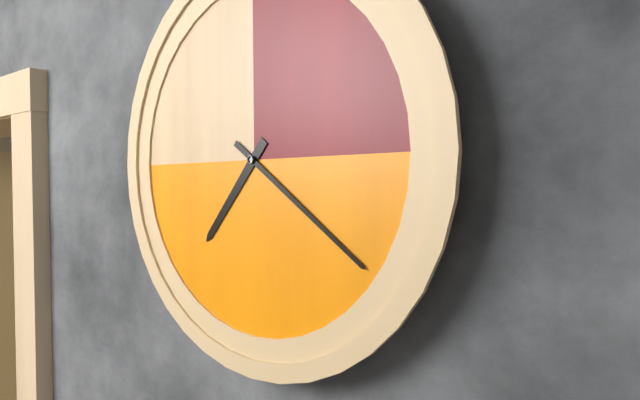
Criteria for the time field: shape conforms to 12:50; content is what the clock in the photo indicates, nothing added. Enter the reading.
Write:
7:21
